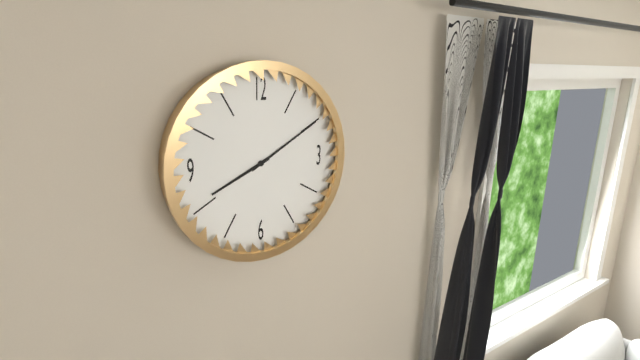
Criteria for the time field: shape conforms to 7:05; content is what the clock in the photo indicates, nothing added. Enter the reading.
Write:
8:10
